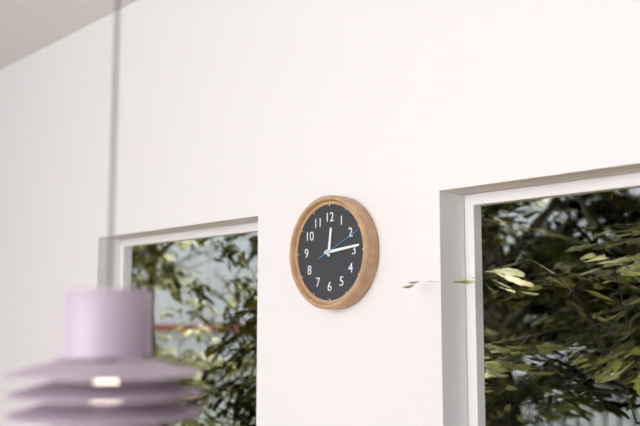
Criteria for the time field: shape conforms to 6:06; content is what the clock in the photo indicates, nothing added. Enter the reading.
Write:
12:14
